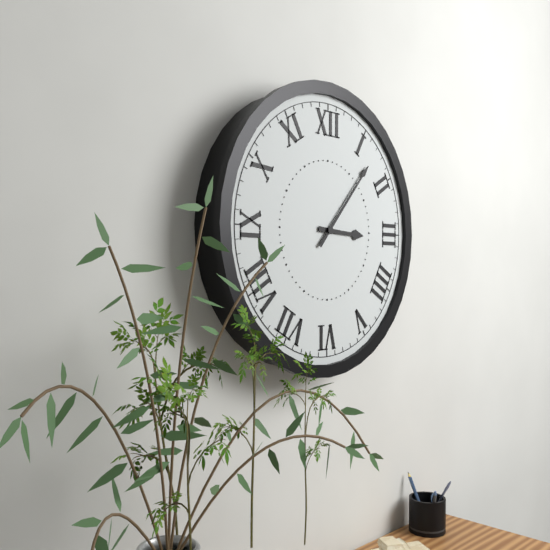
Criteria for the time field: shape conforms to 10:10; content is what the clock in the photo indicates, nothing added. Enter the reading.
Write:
3:07
